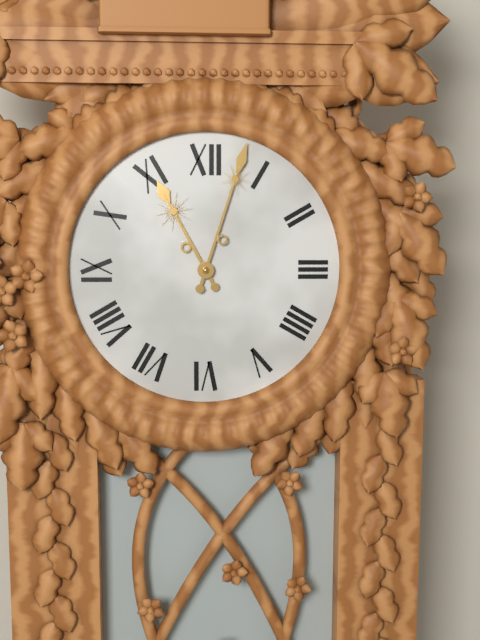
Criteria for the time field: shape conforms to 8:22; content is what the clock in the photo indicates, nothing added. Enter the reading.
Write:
11:03
